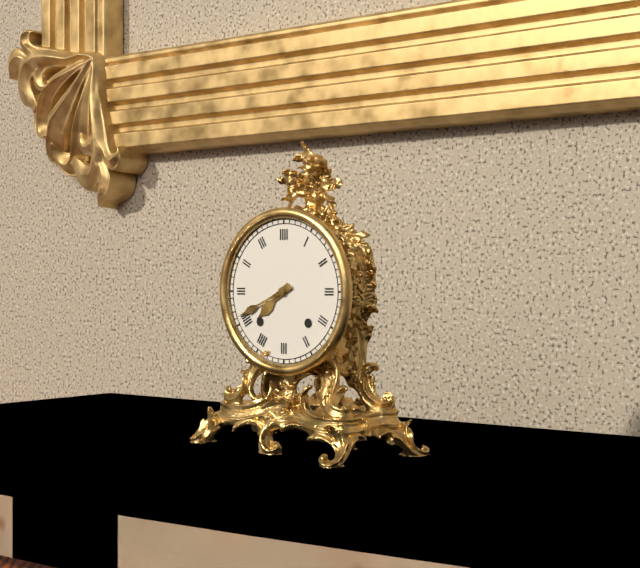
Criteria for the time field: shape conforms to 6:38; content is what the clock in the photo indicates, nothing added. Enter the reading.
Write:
7:41
